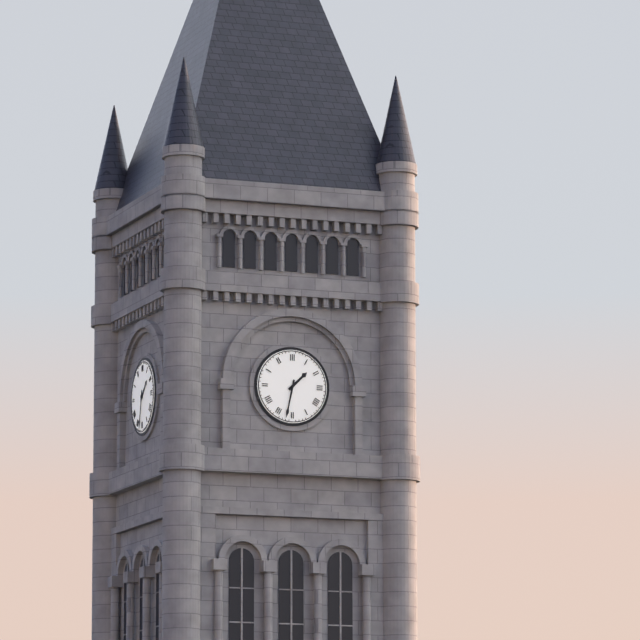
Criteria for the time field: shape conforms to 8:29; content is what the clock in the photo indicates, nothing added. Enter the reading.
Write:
1:32
